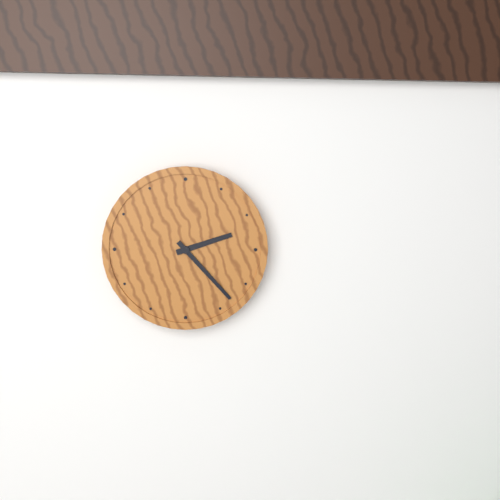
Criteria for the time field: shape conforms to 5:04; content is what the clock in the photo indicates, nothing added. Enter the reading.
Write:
2:23
